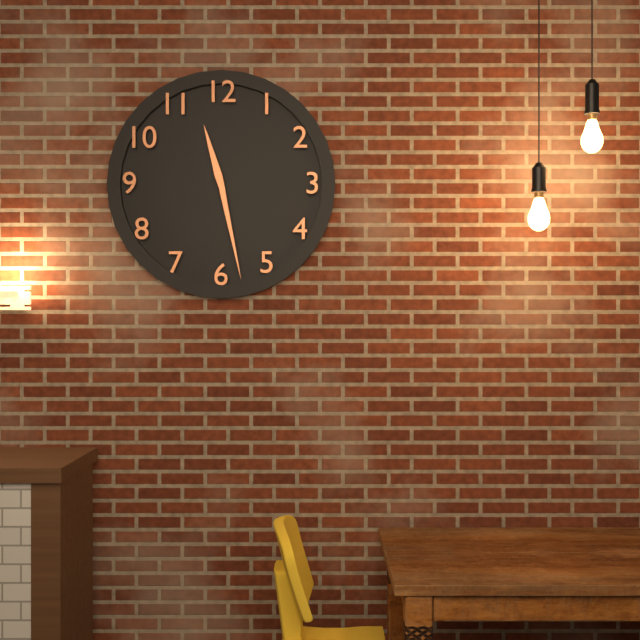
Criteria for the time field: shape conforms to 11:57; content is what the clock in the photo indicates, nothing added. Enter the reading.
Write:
11:28
